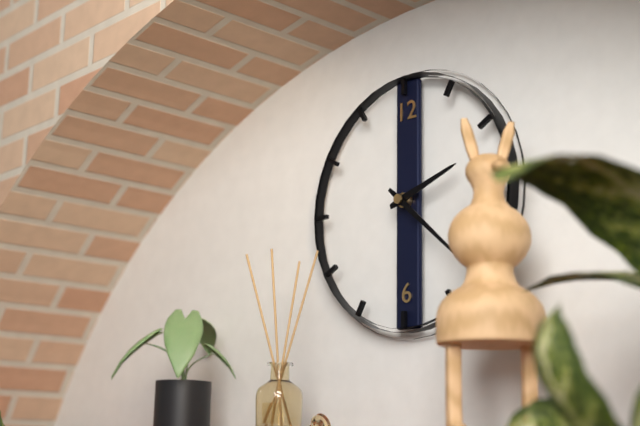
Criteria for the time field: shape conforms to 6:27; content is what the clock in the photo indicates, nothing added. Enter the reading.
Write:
2:22
